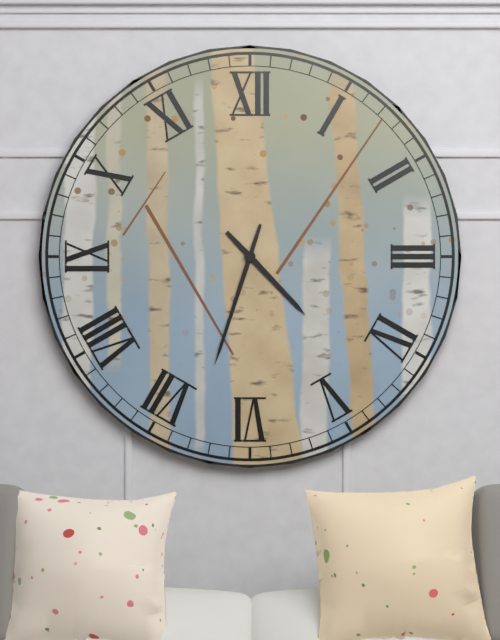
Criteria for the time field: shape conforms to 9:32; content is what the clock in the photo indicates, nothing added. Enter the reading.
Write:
4:33
